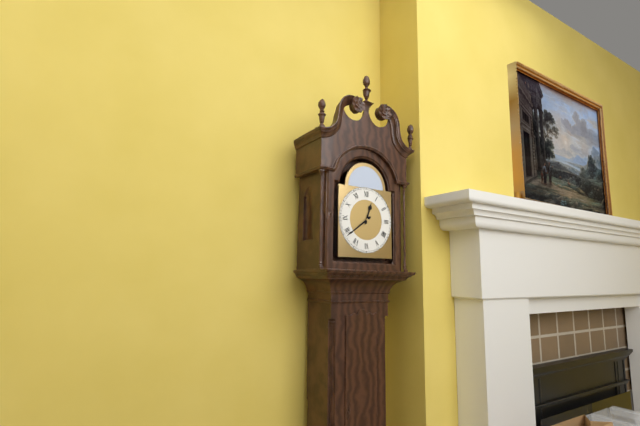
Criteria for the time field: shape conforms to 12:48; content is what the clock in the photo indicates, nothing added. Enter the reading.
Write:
12:39
